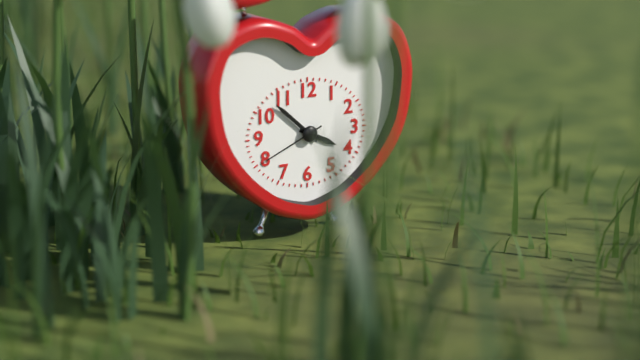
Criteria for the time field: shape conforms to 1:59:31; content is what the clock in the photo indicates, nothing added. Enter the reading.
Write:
3:52:41
